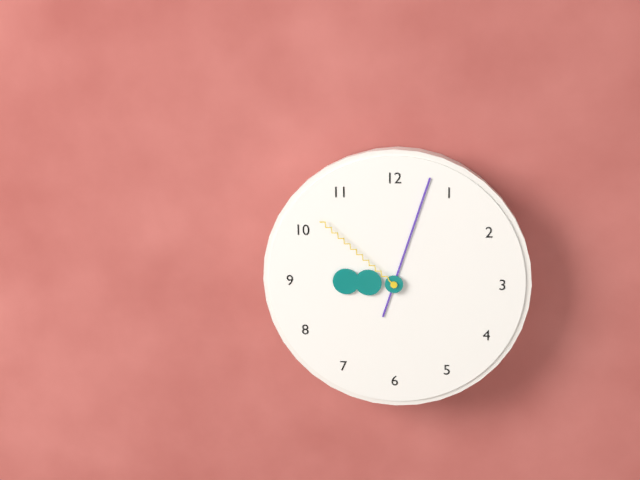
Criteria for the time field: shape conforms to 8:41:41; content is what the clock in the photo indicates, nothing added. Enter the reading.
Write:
9:03:52
